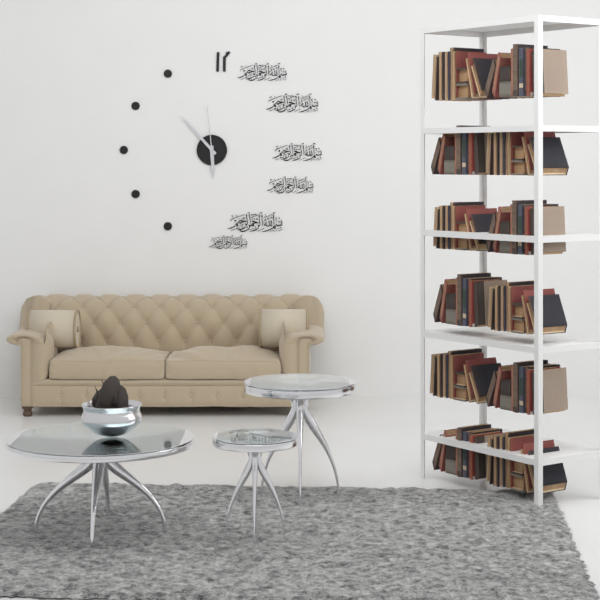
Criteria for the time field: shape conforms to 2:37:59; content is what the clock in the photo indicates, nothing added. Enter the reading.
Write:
5:53:59
